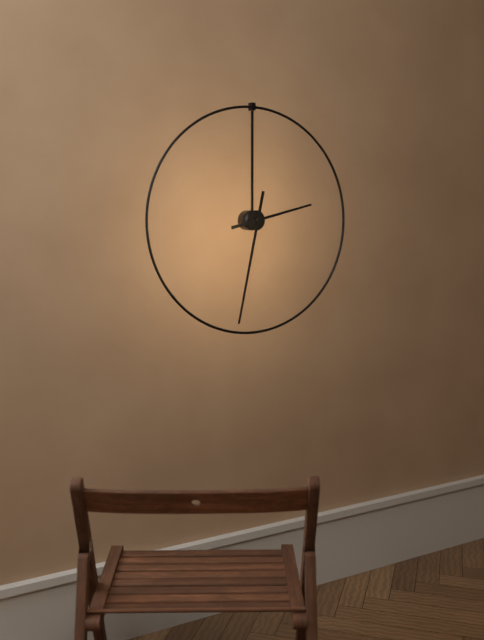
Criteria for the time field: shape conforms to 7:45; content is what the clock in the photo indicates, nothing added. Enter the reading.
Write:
2:32
